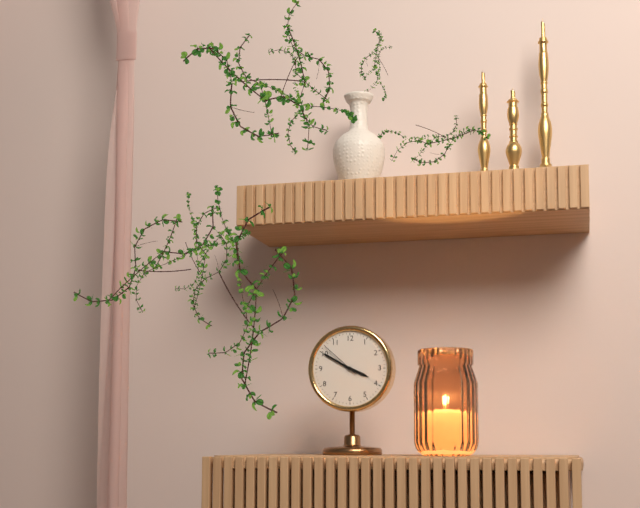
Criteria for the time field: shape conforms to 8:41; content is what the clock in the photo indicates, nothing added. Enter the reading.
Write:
3:50
